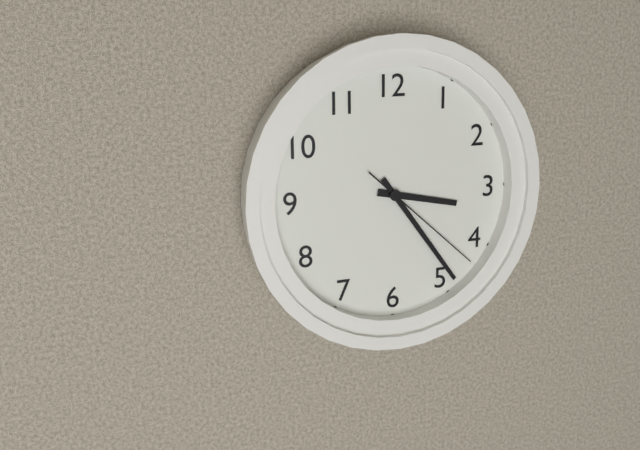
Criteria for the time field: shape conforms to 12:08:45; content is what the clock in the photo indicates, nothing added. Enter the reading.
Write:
3:24:22
